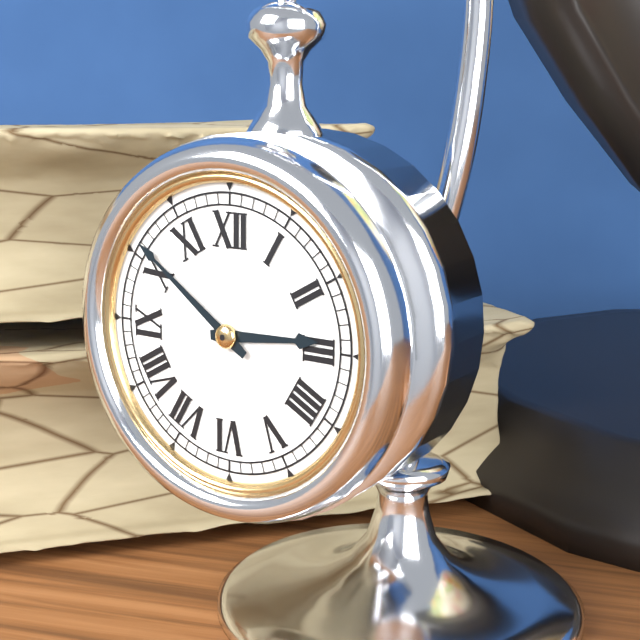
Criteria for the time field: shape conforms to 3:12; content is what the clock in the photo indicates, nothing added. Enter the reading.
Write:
2:51
